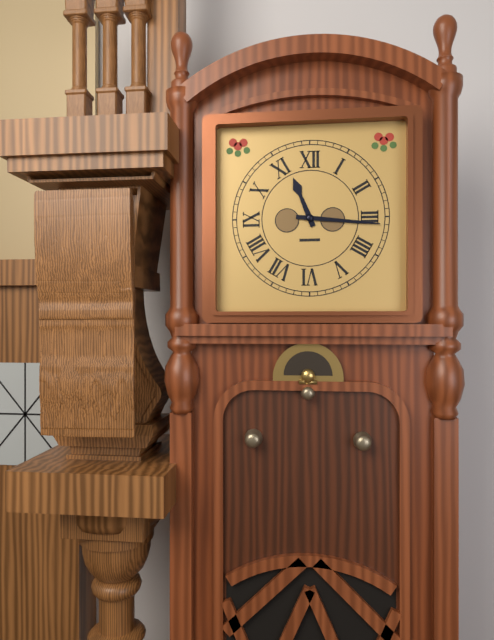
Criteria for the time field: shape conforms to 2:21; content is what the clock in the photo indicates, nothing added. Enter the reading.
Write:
11:16
